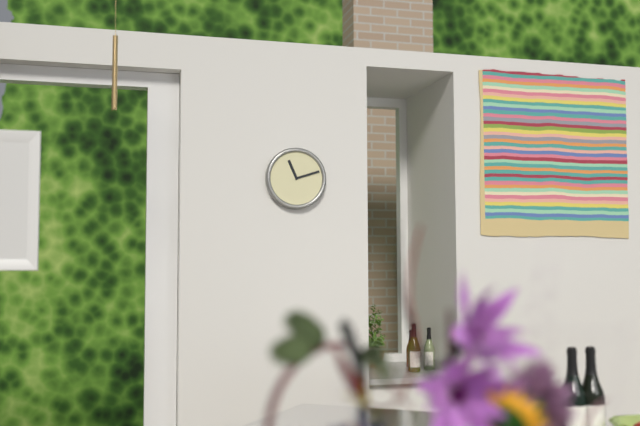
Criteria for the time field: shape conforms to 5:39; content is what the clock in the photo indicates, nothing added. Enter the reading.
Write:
11:12
